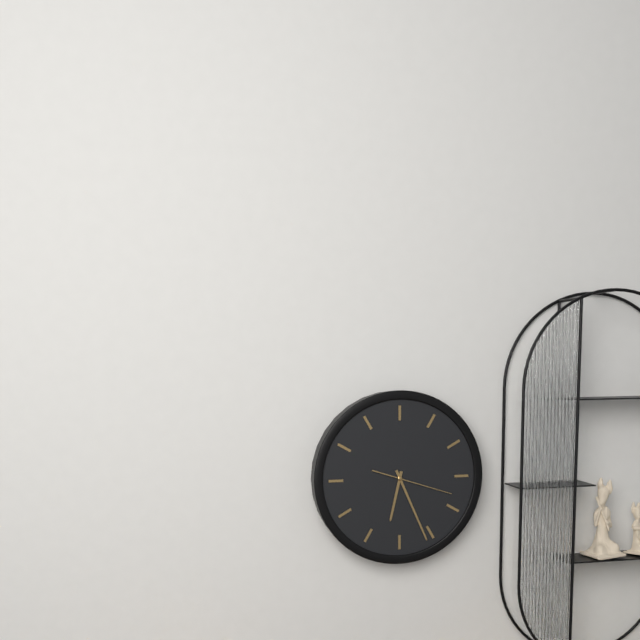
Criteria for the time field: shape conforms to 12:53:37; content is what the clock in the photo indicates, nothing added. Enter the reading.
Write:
6:26:18
